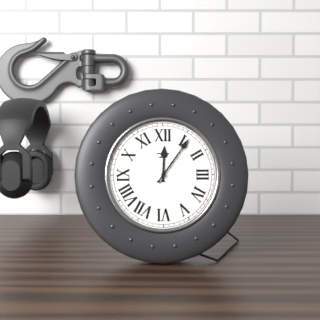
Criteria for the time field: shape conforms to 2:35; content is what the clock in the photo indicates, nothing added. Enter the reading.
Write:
12:06
